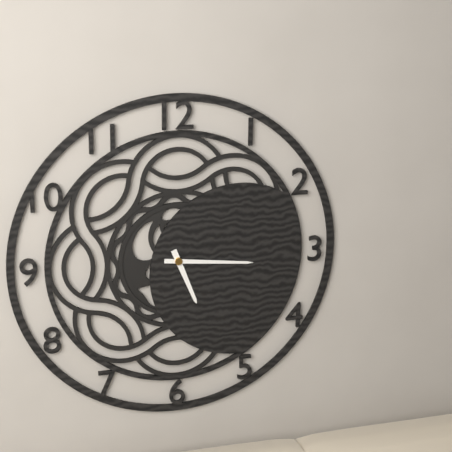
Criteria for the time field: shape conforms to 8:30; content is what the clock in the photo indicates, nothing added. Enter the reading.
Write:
5:16
